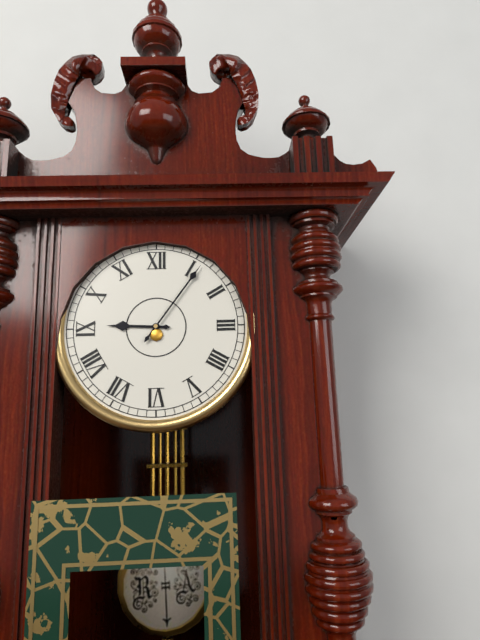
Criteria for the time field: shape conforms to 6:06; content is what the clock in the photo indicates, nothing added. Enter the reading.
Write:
9:06
